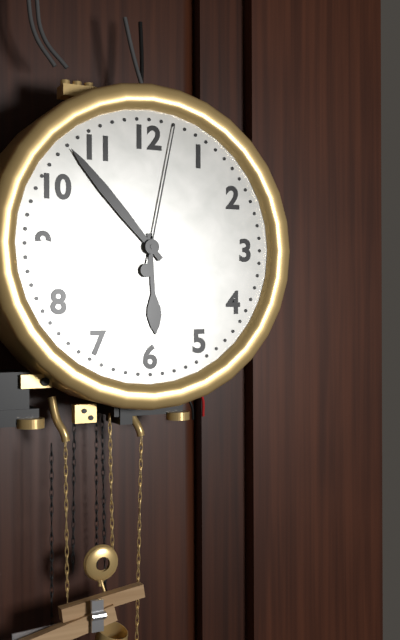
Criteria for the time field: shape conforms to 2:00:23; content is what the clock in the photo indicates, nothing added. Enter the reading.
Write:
5:53:02
